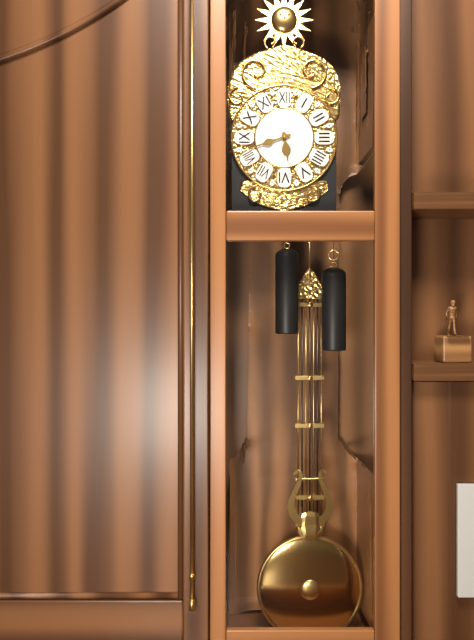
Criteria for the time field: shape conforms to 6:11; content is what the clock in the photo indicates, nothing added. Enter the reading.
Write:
5:42
